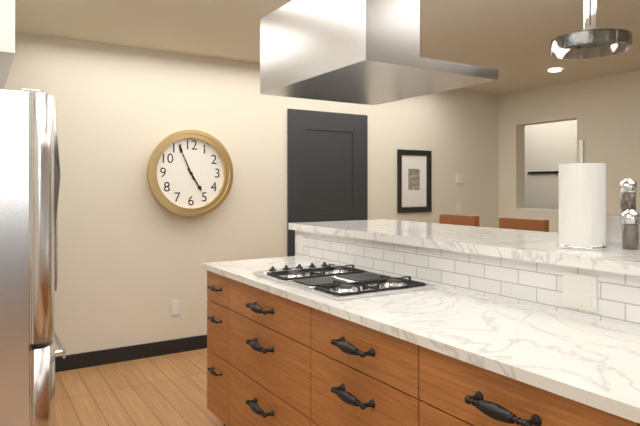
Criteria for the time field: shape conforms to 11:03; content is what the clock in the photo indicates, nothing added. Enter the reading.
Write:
4:56
